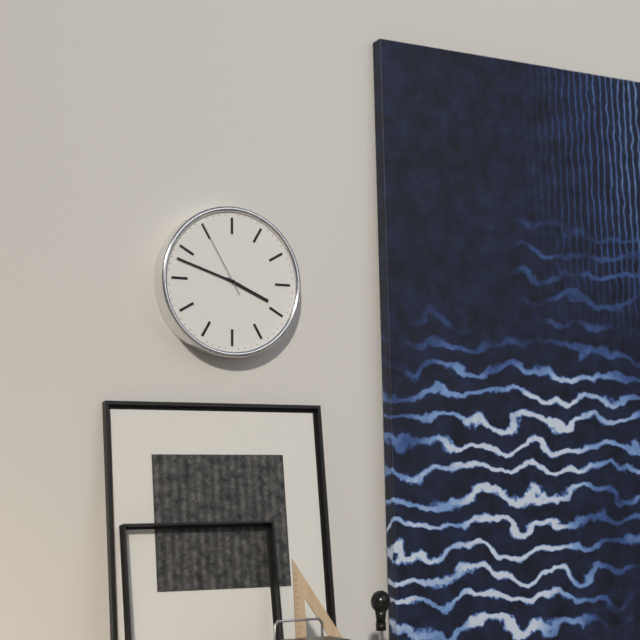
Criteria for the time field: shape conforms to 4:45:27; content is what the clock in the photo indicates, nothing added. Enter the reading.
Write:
3:48:55
